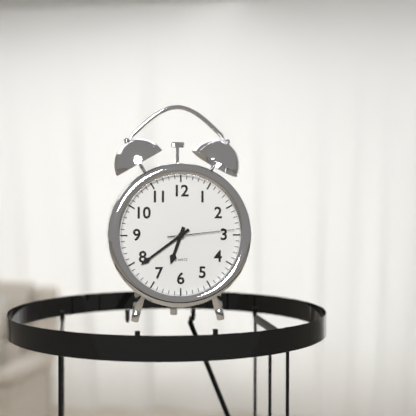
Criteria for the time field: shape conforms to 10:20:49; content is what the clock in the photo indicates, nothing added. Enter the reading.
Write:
6:39:14
